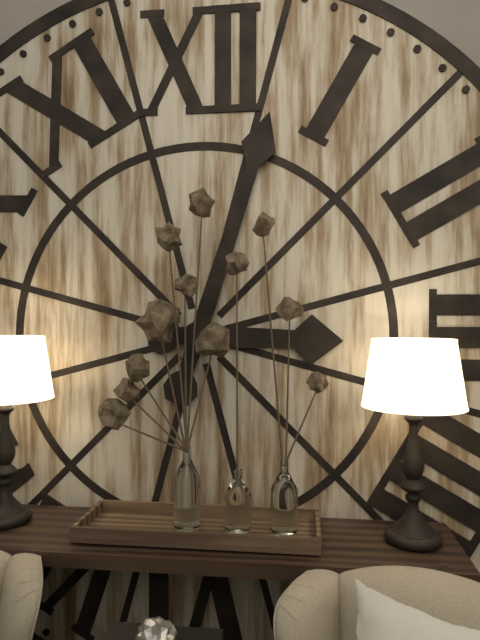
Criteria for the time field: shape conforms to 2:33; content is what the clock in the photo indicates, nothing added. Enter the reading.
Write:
3:03
